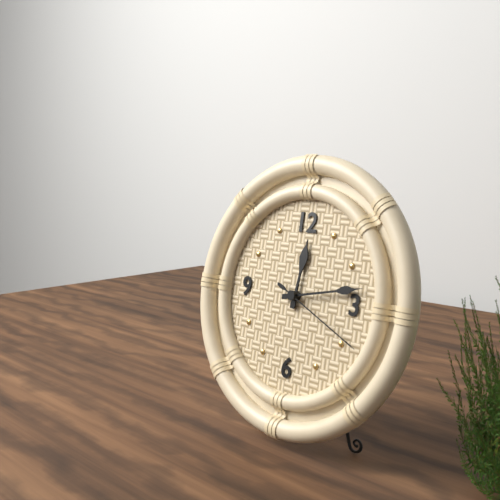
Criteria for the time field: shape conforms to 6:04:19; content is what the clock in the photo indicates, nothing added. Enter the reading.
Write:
12:13:19
